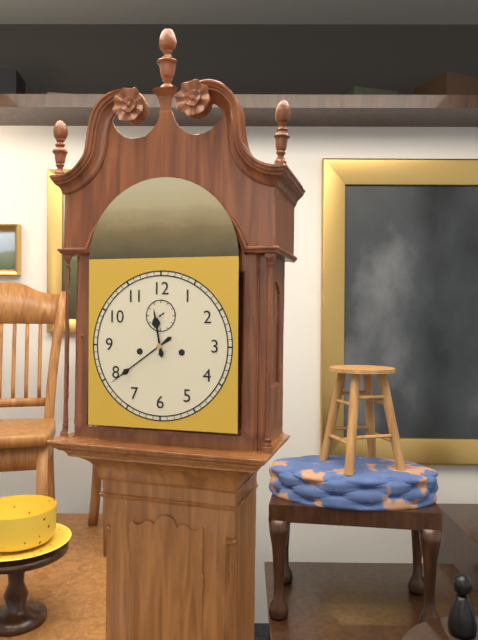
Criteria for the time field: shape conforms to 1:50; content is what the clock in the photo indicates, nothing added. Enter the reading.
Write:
11:39
